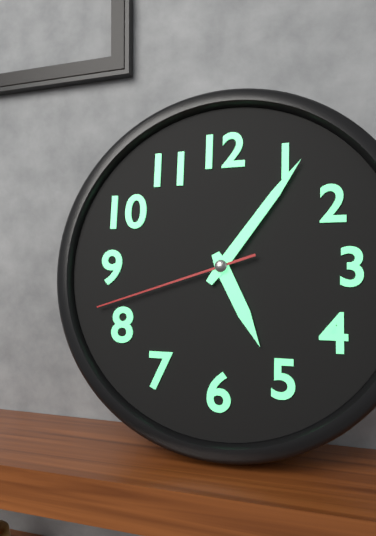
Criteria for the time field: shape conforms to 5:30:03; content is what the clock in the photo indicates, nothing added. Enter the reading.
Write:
5:06:42
